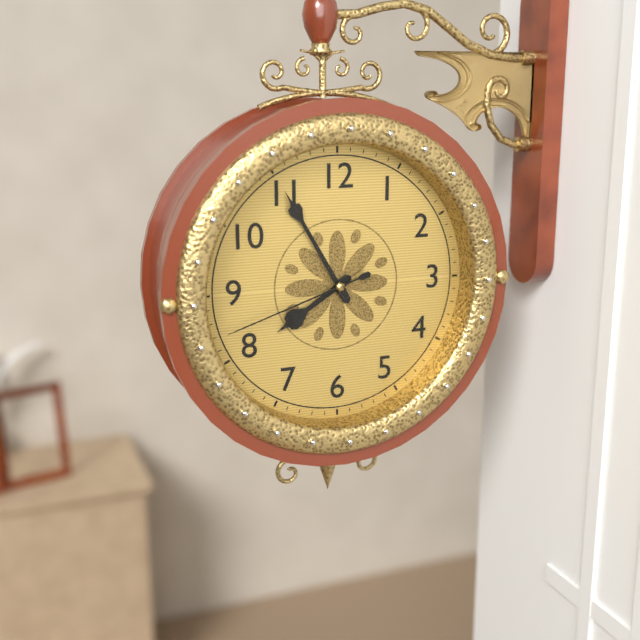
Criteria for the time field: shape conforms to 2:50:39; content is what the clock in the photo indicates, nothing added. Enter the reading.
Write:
7:55:42
